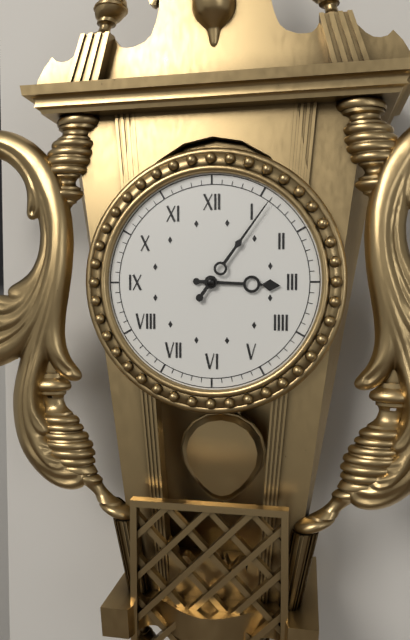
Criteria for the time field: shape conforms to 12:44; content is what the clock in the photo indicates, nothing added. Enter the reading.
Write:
3:06
